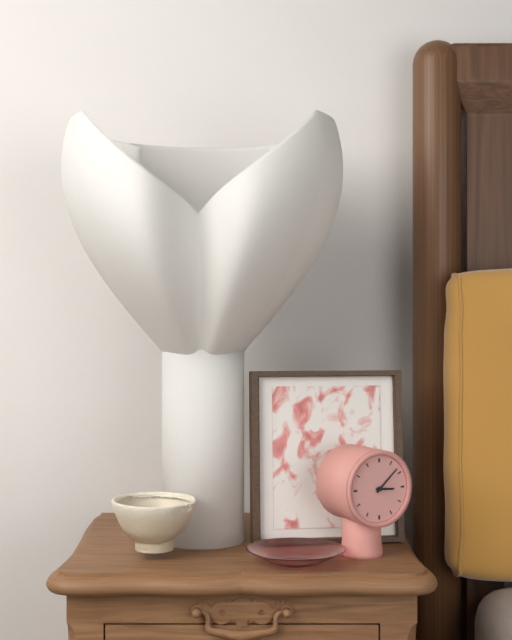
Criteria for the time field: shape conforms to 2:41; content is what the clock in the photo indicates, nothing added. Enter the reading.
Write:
3:08
